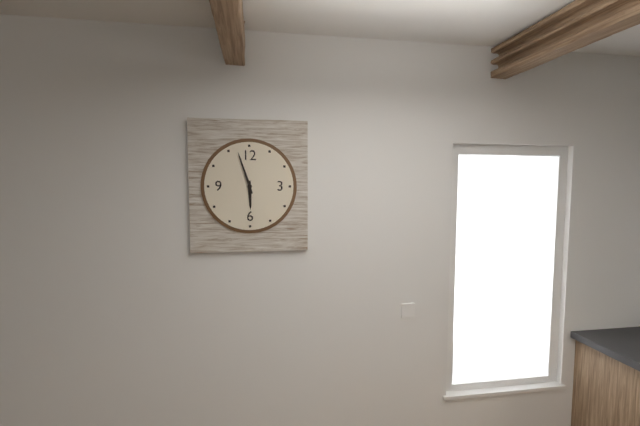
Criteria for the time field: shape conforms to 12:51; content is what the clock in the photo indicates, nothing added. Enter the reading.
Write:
5:57
